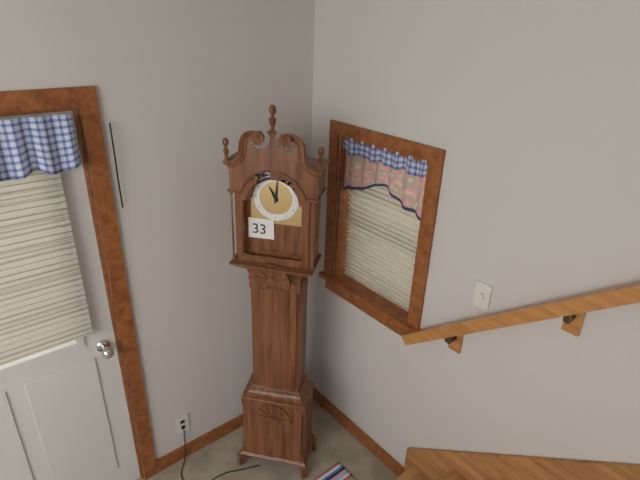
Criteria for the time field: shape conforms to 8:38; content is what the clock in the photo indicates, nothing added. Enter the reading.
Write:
11:01
